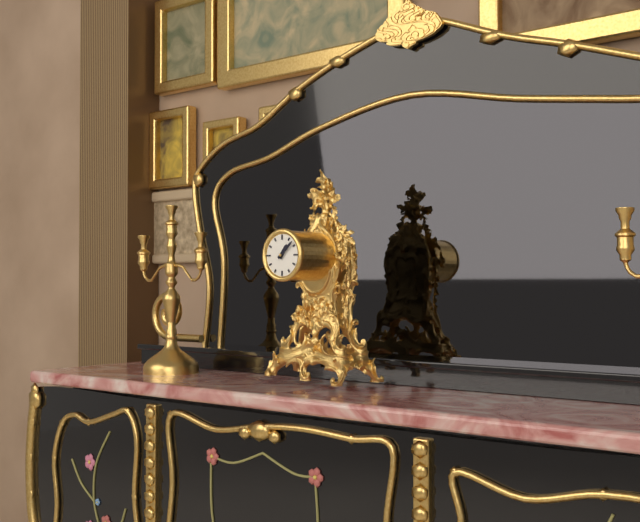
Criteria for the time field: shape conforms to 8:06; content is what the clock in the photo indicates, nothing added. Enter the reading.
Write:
1:08
